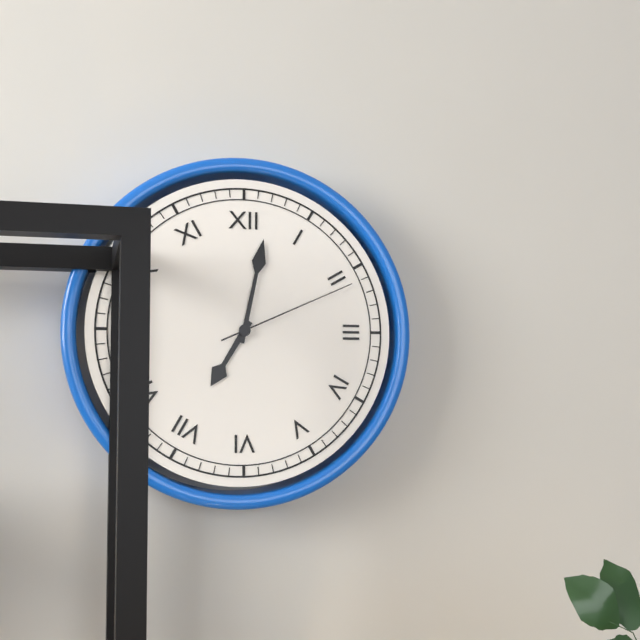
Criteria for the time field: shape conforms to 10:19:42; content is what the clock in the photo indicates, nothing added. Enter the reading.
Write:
7:02:11
